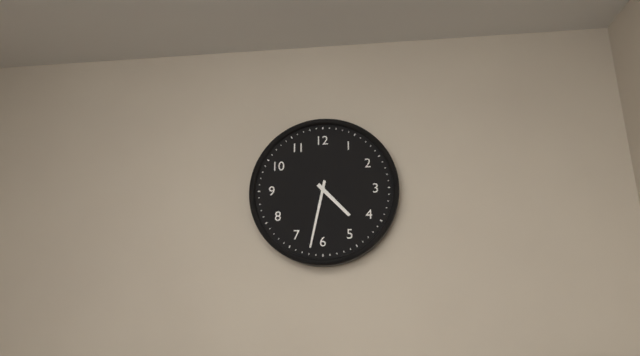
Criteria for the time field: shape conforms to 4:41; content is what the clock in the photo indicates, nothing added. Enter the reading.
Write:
4:32
